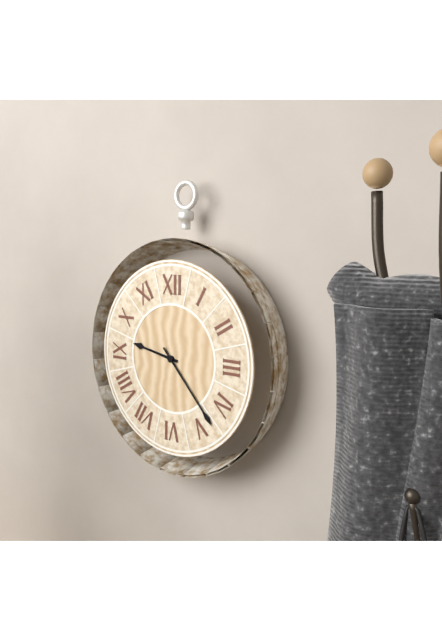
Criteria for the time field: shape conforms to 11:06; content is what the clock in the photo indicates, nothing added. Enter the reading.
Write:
9:23
